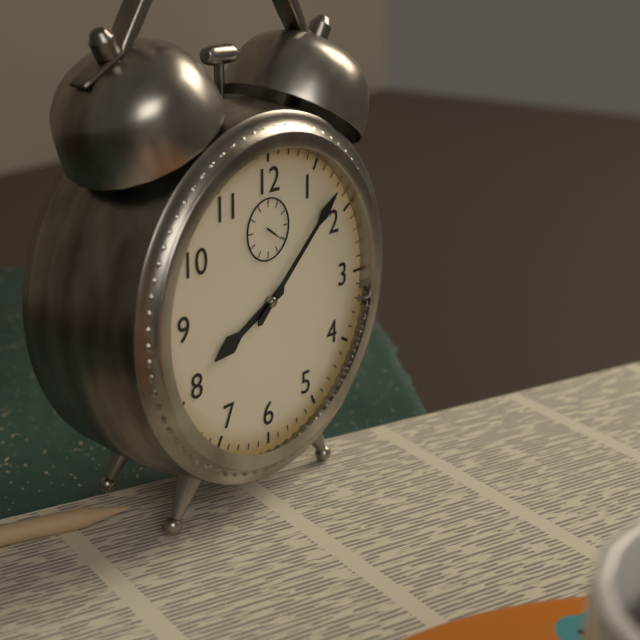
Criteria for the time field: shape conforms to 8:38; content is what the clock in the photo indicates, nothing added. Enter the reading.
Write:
8:08
